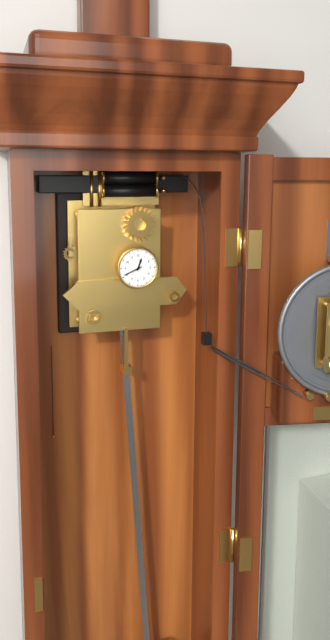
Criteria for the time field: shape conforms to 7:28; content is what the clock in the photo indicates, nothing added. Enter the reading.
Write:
12:41
